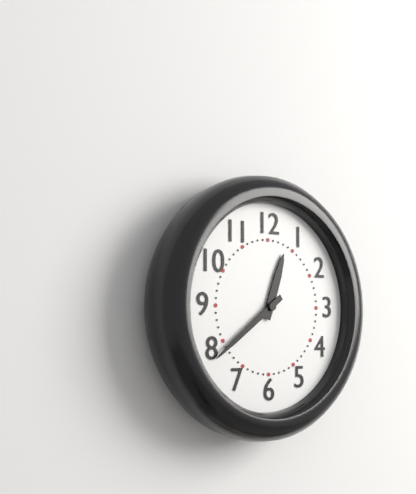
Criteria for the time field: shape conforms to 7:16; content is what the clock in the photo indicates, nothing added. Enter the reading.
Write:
12:39
